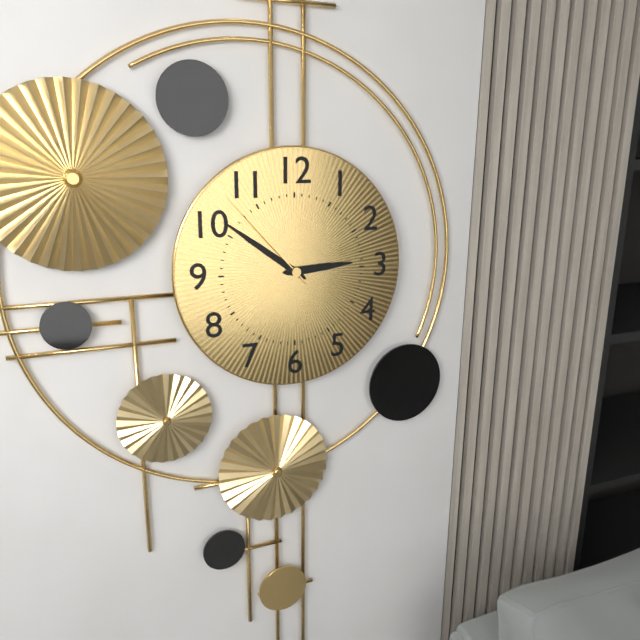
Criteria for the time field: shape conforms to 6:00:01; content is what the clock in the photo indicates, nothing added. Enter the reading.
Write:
2:51:53
